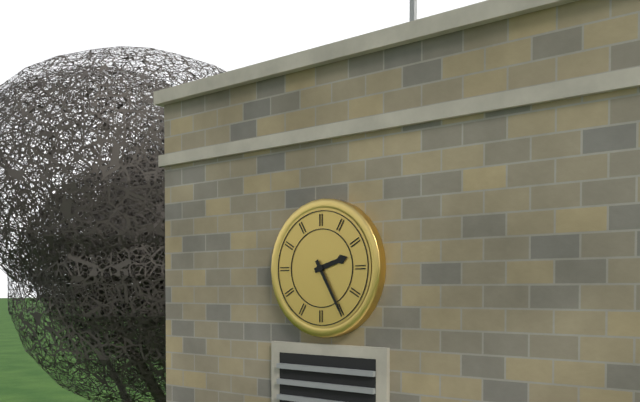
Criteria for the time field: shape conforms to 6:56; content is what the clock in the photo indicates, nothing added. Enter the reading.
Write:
2:25
